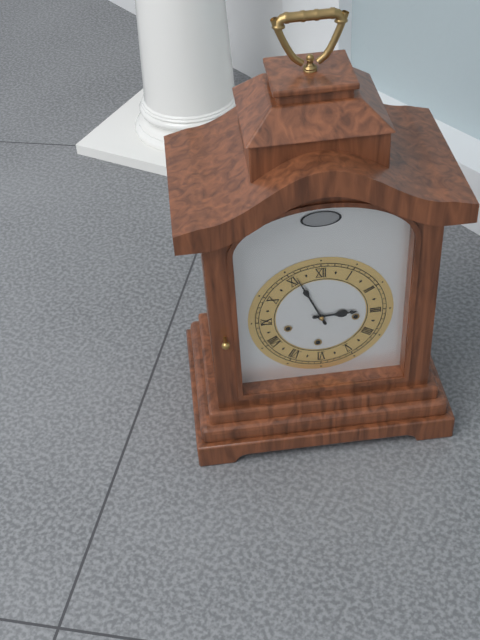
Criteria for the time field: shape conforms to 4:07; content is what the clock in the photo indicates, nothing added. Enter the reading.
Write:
2:56
